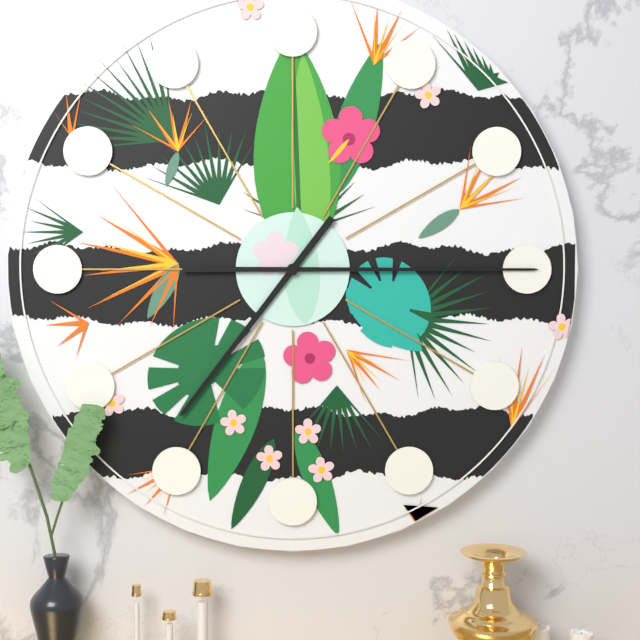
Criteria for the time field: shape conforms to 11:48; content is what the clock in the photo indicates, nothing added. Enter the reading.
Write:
7:15
